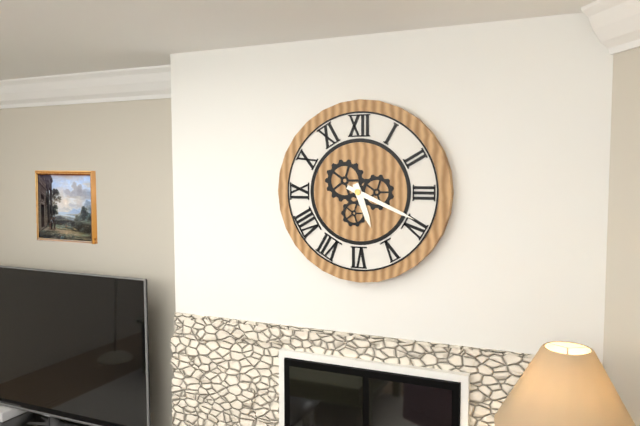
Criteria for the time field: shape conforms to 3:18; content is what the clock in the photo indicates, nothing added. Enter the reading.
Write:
5:19
